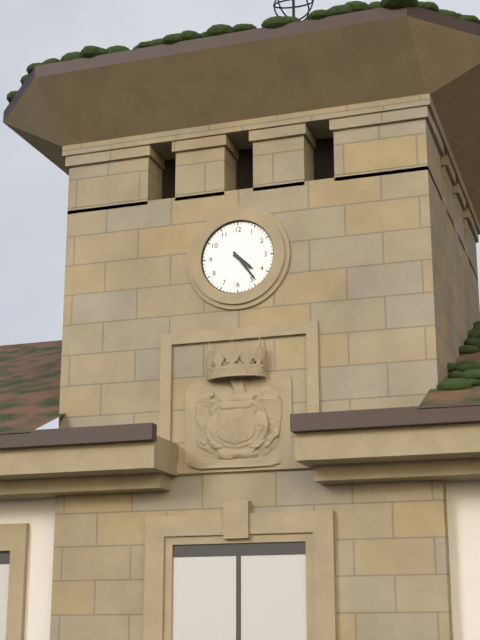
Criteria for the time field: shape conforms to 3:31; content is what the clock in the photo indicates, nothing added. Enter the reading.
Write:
4:24
